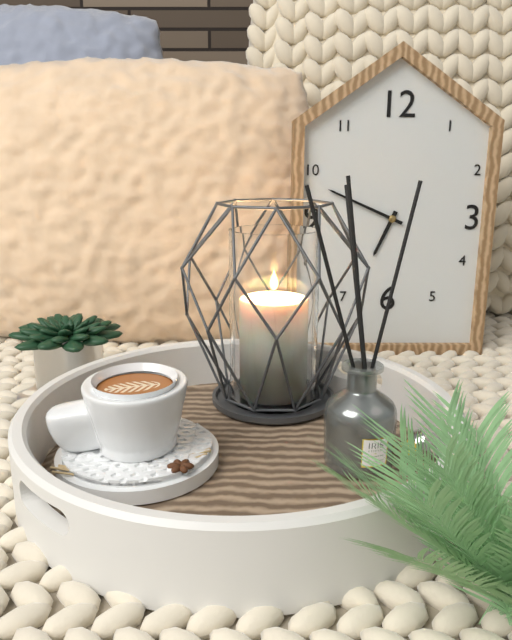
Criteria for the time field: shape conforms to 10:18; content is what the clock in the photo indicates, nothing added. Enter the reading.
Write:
6:49
